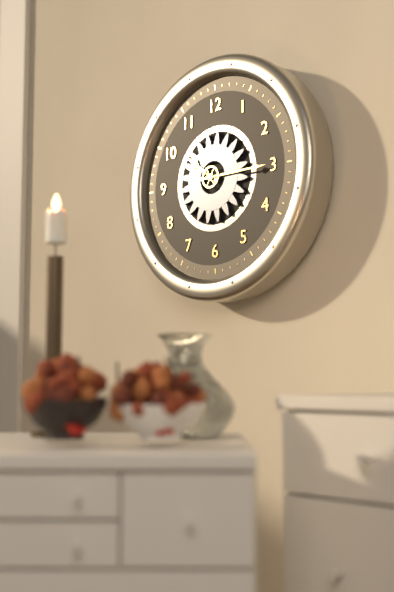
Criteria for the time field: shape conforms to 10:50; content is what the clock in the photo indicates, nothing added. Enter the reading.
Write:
10:15
